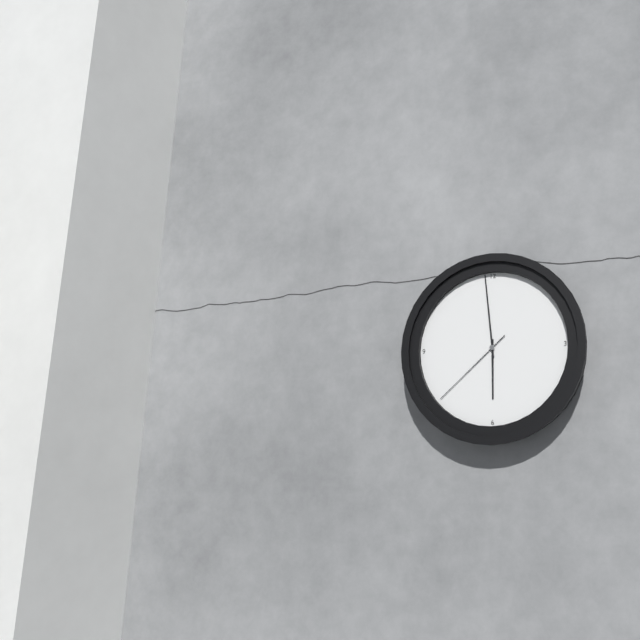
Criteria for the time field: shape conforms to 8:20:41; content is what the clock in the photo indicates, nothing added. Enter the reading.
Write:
5:59:38
